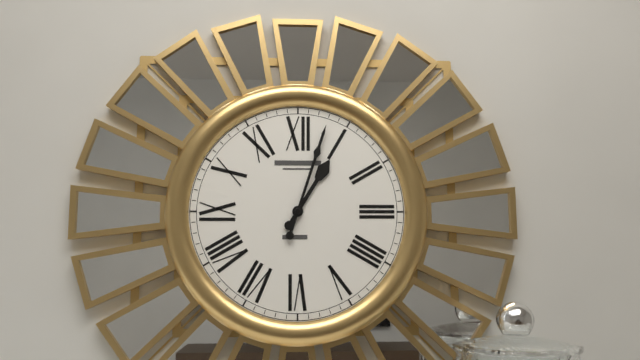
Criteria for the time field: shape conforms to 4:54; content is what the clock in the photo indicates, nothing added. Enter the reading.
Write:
1:03
